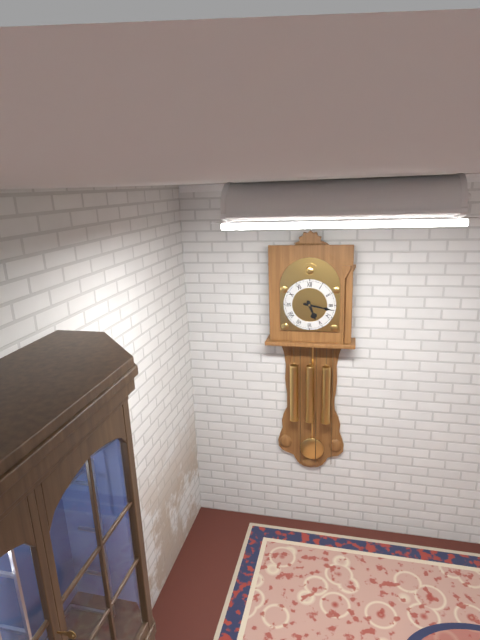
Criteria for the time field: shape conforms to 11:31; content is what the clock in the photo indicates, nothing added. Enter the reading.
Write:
5:17
